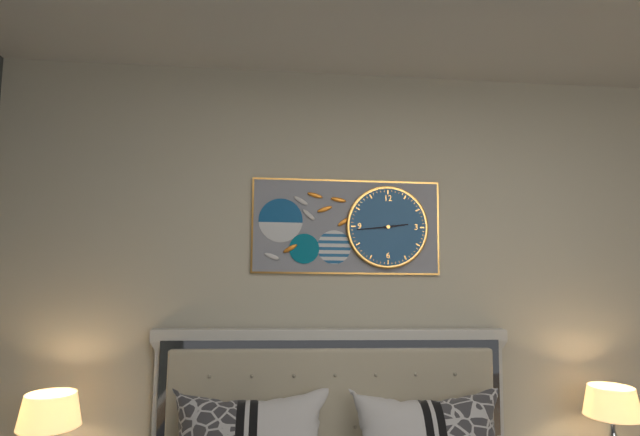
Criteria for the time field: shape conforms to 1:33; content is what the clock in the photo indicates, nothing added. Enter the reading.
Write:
2:44
